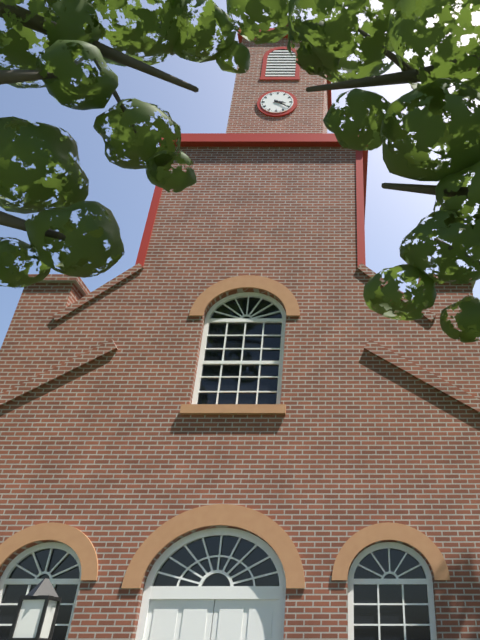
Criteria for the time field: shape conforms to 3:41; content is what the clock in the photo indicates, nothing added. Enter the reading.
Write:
3:21
